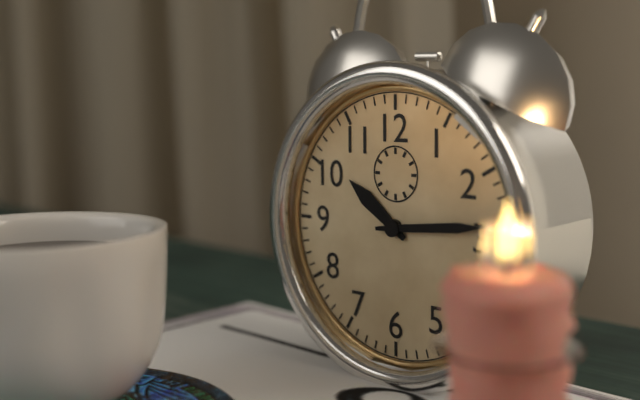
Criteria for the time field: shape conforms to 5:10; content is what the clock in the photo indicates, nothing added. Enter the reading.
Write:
10:14
